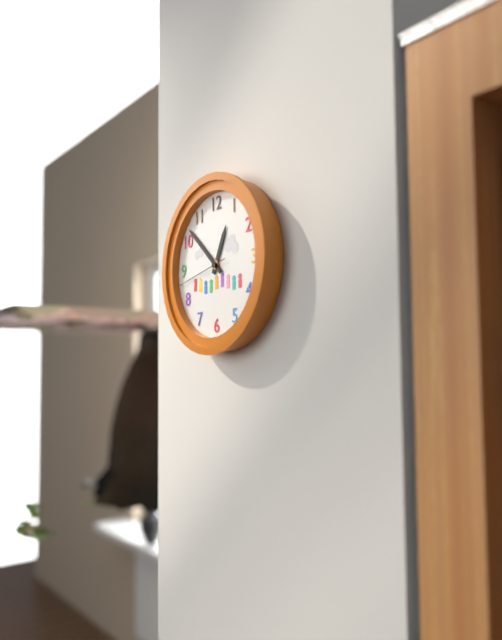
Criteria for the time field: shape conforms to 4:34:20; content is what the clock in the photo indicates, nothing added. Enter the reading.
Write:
12:52:43
